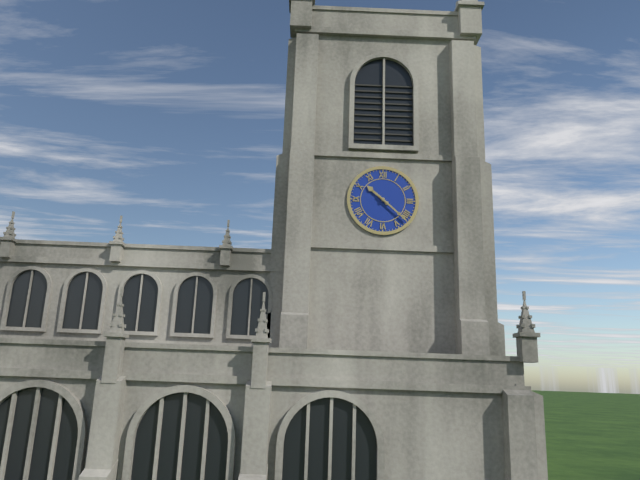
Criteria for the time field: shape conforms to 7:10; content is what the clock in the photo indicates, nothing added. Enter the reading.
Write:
10:22
